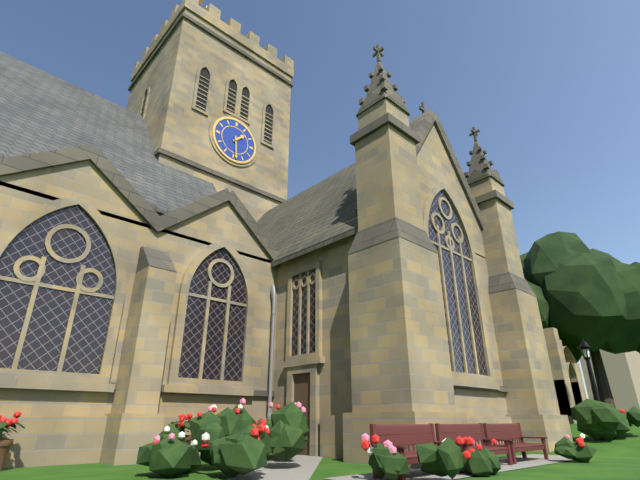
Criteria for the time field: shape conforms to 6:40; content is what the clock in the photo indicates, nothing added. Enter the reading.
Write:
1:29
